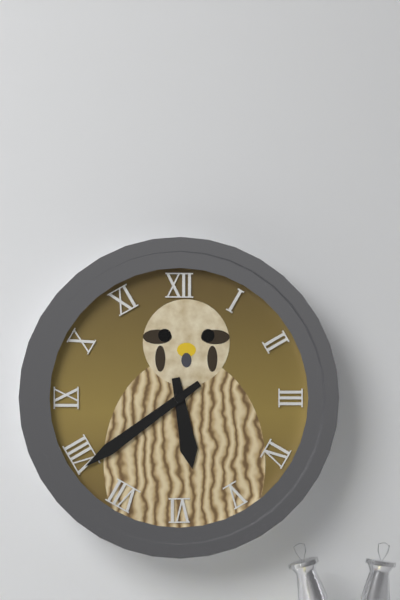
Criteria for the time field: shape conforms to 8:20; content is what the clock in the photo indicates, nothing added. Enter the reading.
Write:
5:39
